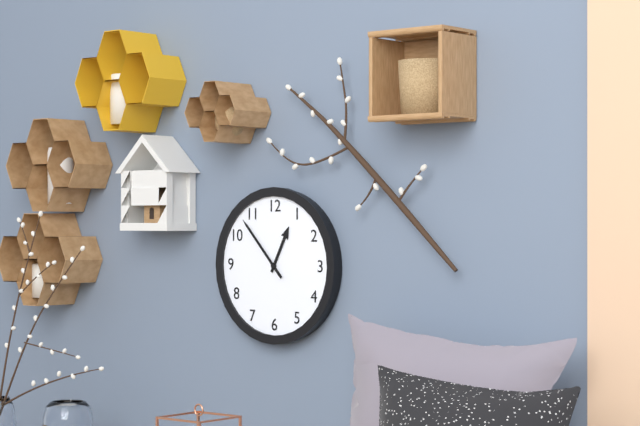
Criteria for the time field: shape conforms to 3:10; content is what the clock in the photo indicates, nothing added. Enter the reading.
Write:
12:53
